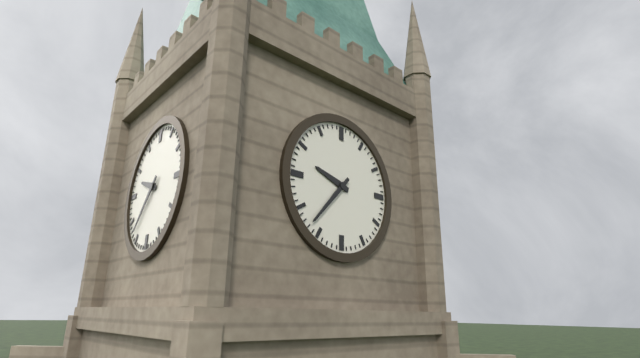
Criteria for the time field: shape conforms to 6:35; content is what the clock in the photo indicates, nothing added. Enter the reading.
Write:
9:37
